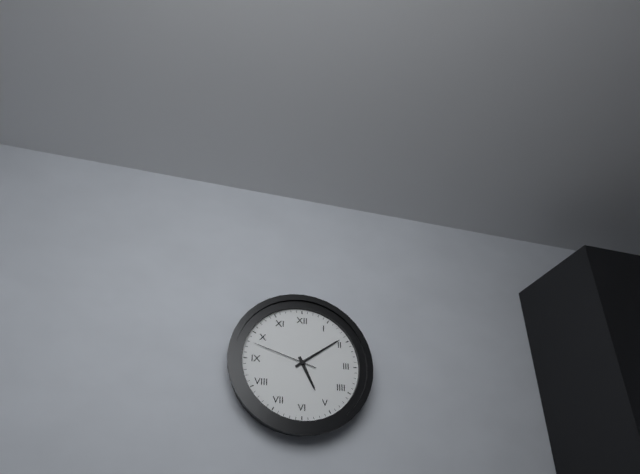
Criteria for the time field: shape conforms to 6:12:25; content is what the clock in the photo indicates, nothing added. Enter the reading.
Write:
5:09:48
